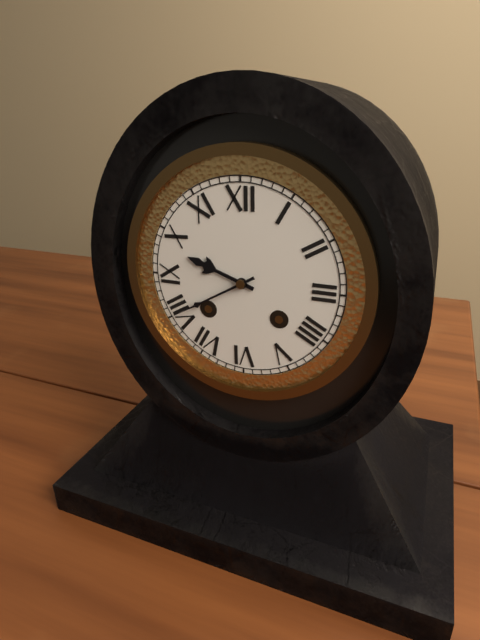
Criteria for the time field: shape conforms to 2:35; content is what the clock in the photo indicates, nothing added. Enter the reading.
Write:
9:40
